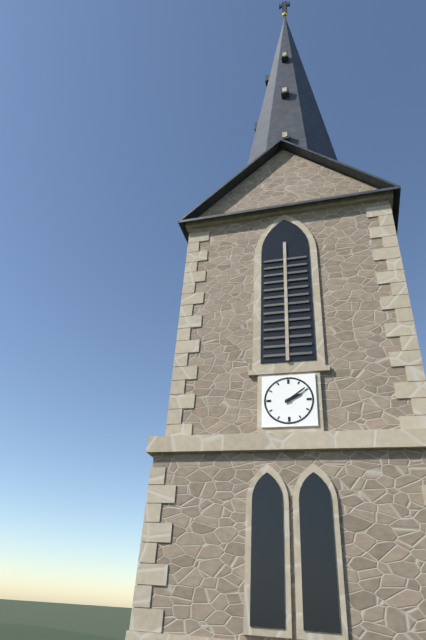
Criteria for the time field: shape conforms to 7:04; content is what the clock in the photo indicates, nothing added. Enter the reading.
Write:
2:09
